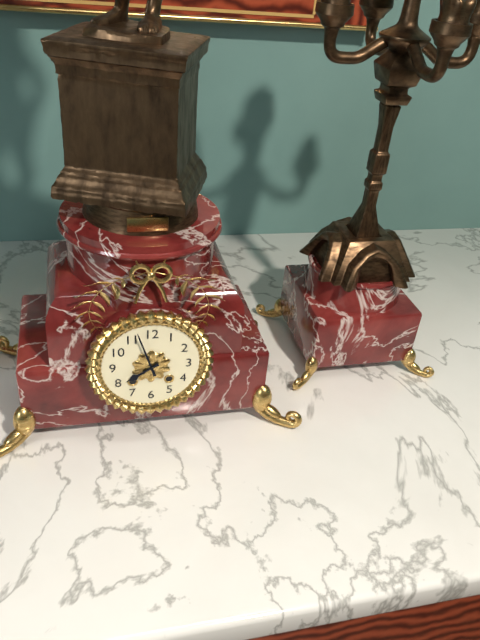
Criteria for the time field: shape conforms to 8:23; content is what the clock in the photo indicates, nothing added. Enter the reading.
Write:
7:57
